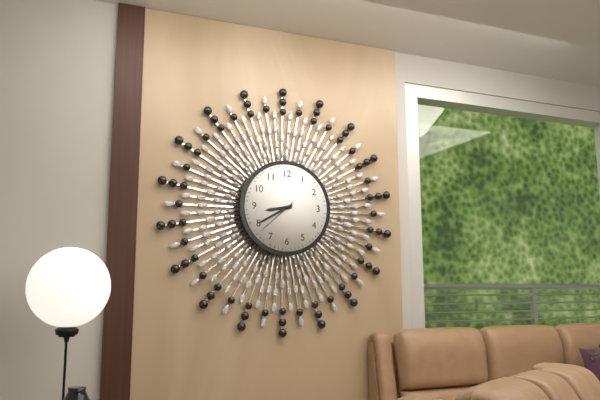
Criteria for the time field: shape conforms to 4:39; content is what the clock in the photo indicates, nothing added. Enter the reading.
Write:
8:40
